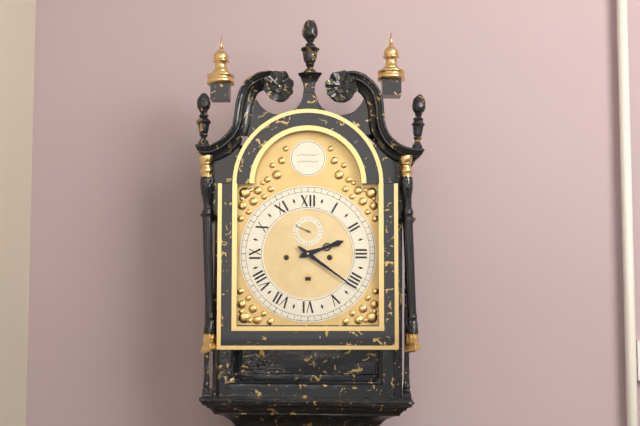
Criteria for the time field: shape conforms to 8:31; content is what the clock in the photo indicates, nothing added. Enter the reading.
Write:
2:21
